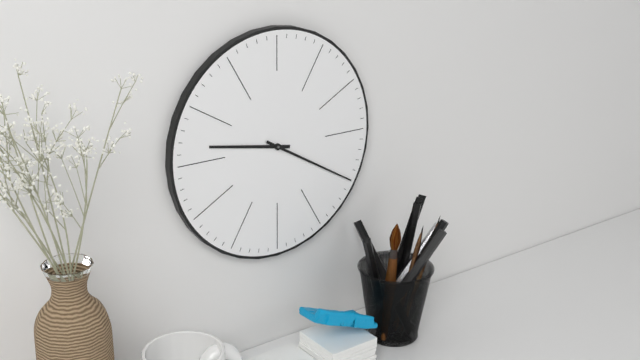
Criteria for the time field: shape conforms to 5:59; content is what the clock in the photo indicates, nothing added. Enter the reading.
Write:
9:20
